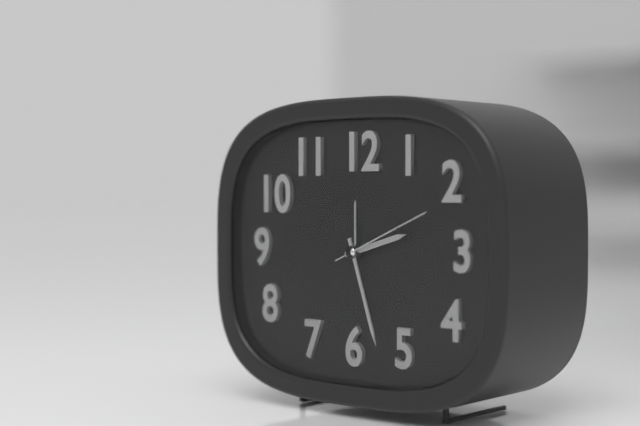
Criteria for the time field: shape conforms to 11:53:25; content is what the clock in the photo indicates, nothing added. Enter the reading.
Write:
2:27:11
